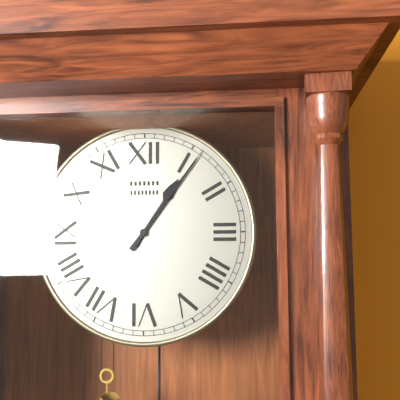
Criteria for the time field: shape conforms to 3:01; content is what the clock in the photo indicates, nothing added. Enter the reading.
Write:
1:06
